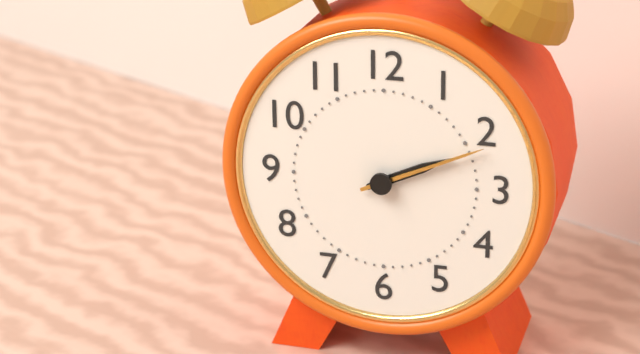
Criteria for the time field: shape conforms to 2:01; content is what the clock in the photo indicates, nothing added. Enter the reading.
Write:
2:11
